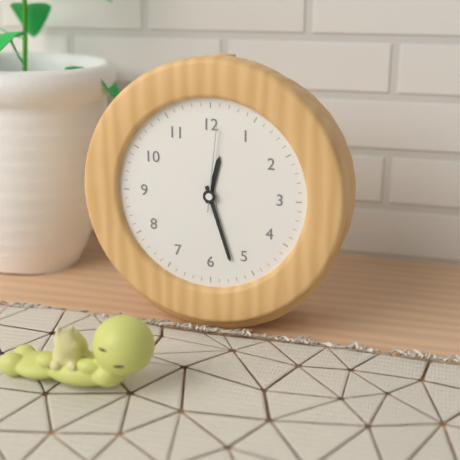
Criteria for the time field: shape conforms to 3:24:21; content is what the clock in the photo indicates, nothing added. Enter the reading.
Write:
12:27:01
